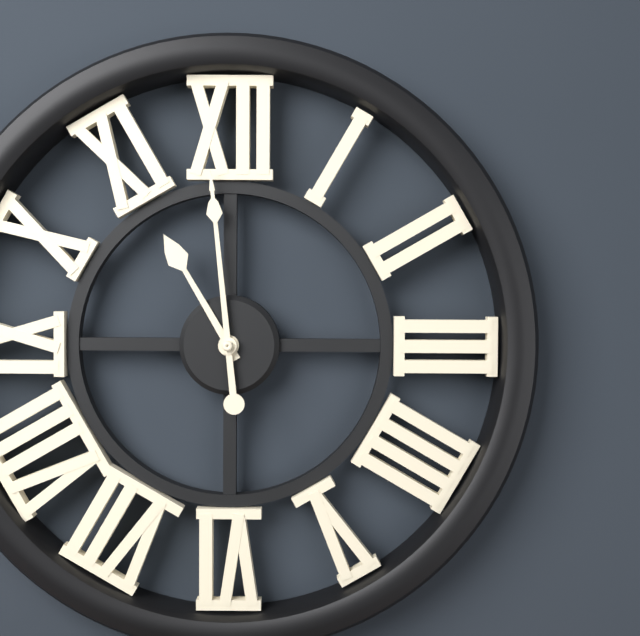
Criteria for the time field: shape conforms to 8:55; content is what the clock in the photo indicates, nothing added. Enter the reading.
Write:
10:59
